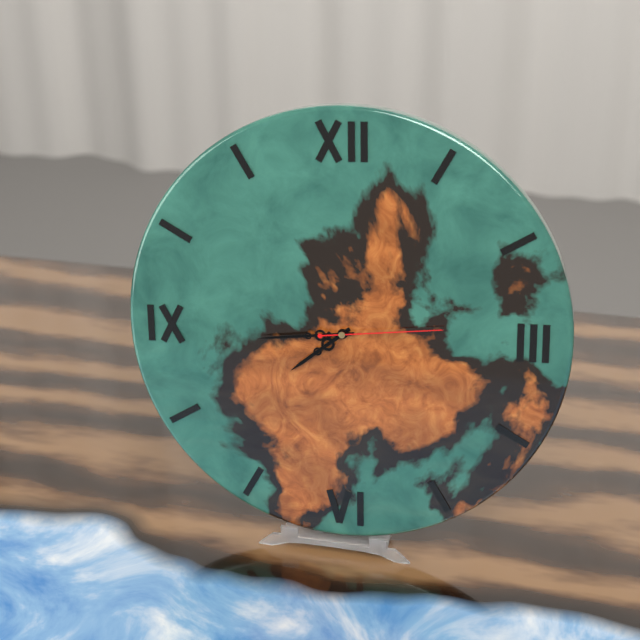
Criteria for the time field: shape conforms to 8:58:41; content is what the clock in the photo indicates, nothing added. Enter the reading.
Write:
7:44:14
